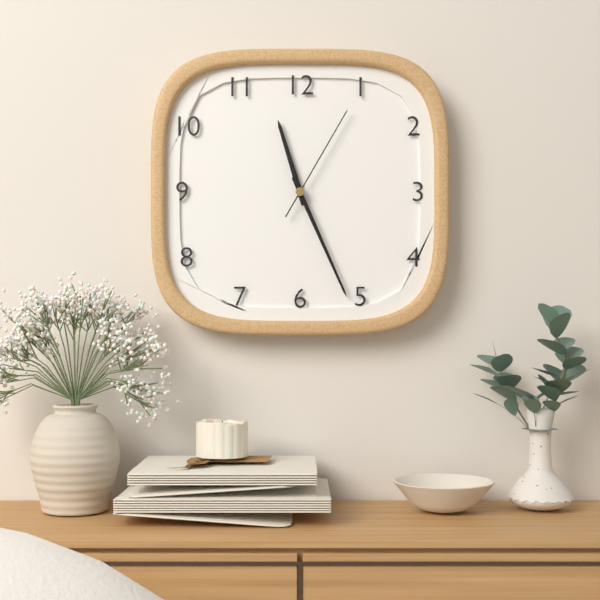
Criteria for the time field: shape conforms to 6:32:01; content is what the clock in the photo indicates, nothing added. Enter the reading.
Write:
11:26:05
